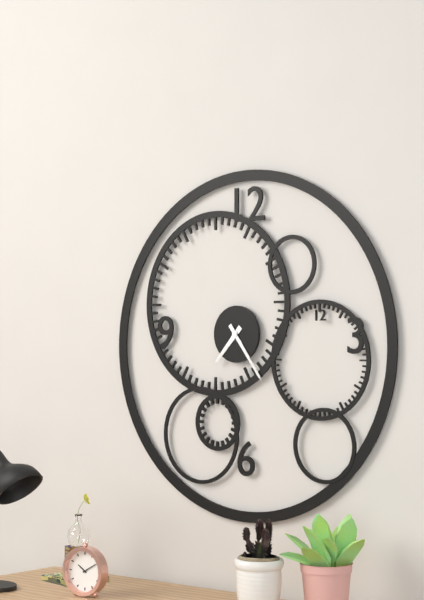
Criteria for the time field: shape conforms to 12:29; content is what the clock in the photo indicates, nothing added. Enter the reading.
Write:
7:24
